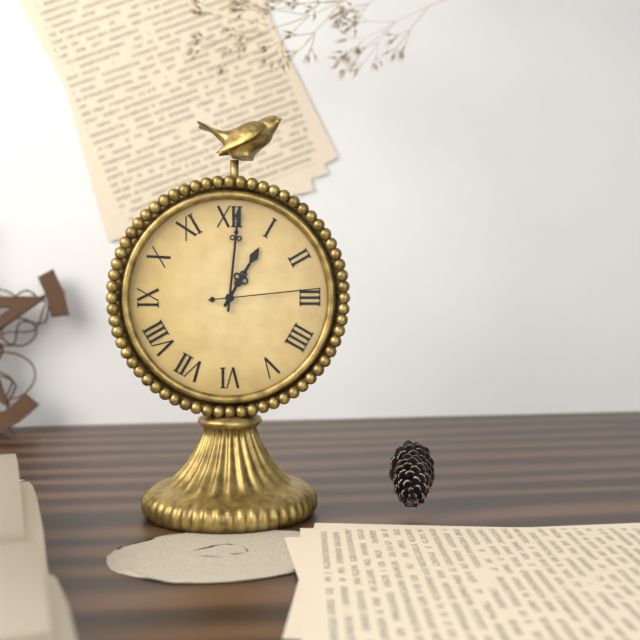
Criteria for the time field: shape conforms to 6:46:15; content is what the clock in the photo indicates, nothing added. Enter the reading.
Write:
1:01:14
